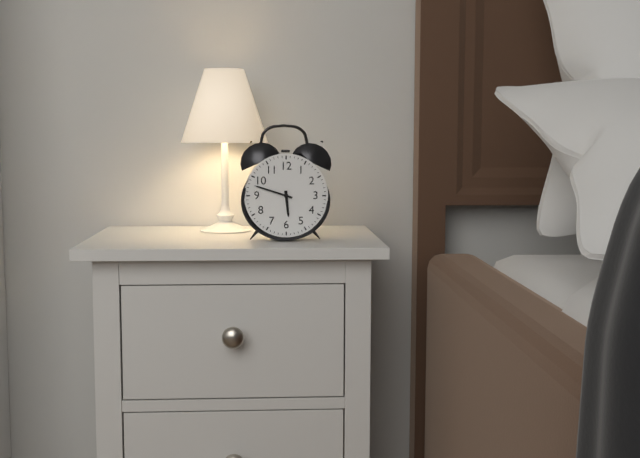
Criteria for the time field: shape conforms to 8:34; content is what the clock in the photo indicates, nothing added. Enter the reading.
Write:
5:48
